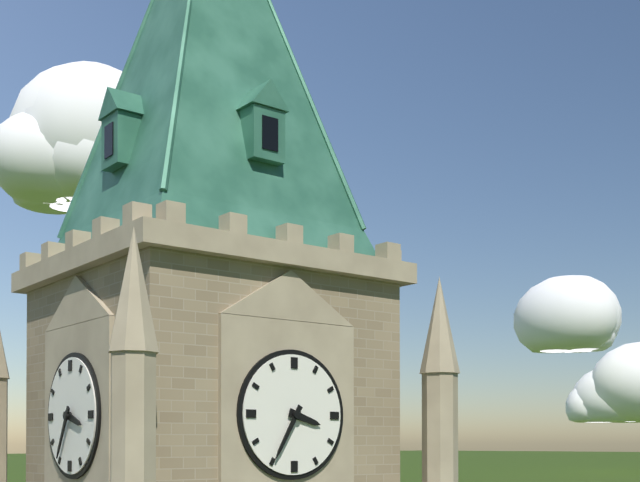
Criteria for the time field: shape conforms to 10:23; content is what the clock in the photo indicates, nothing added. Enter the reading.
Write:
3:35
